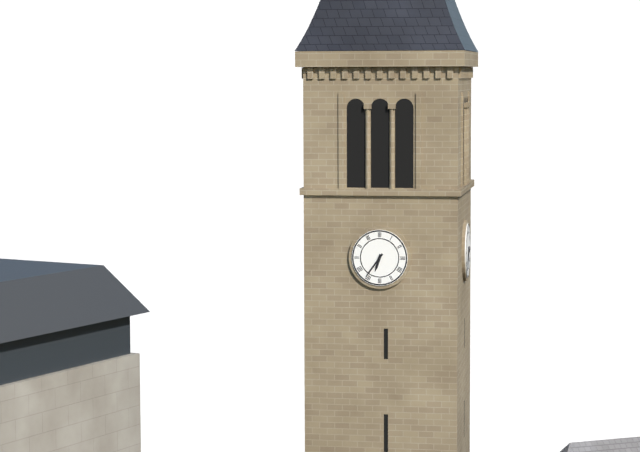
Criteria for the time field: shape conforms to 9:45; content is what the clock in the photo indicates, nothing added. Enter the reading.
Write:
6:36
